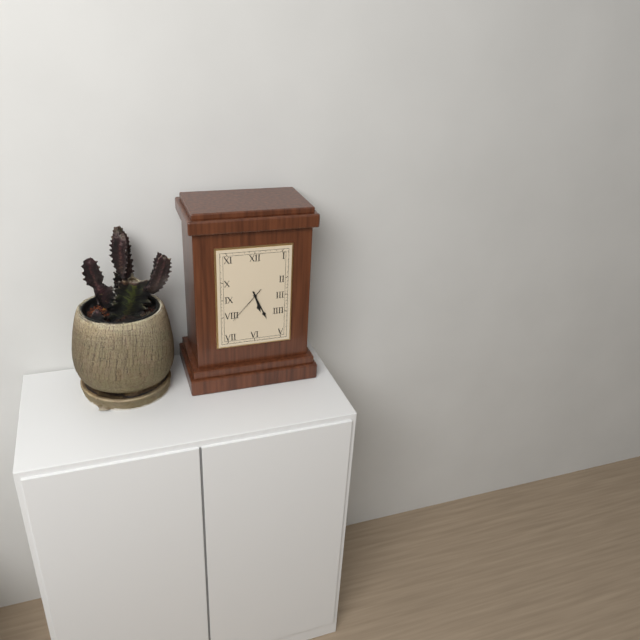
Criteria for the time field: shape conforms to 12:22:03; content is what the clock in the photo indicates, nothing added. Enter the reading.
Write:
5:26:37
